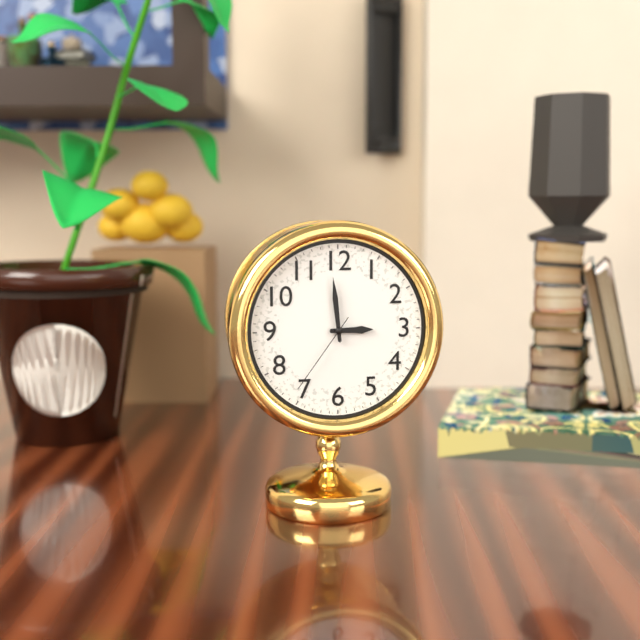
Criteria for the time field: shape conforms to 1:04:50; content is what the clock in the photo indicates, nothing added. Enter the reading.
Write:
2:59:36
